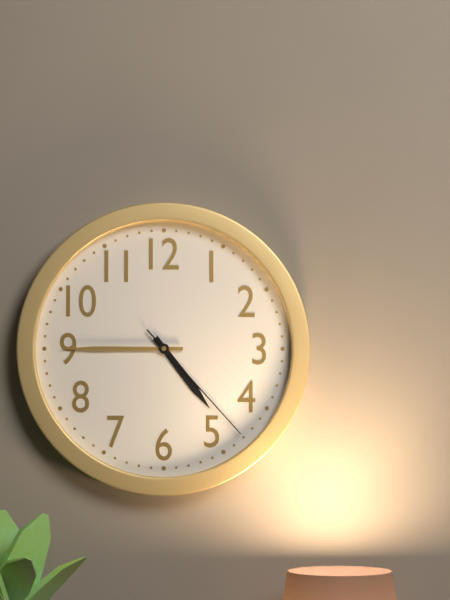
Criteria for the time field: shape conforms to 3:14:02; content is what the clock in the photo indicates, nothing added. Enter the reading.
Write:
4:45:23
